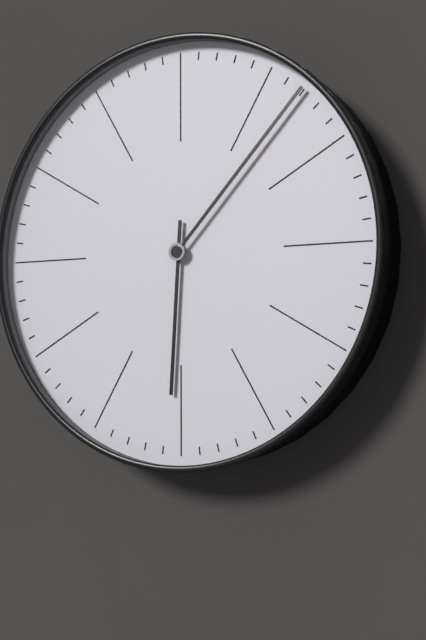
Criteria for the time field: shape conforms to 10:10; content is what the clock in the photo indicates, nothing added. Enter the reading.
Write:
6:07
